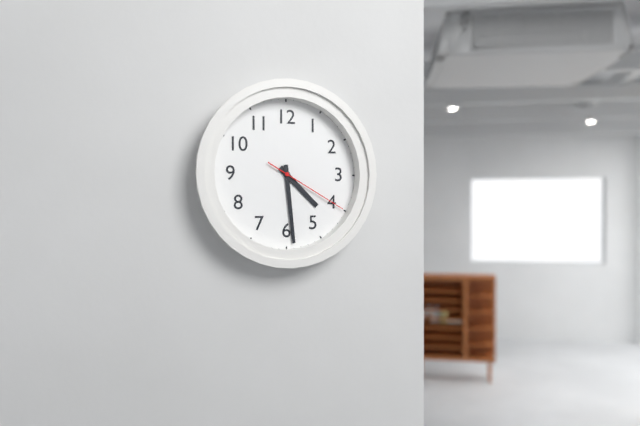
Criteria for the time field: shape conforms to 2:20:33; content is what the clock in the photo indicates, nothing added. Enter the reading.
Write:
4:29:20
